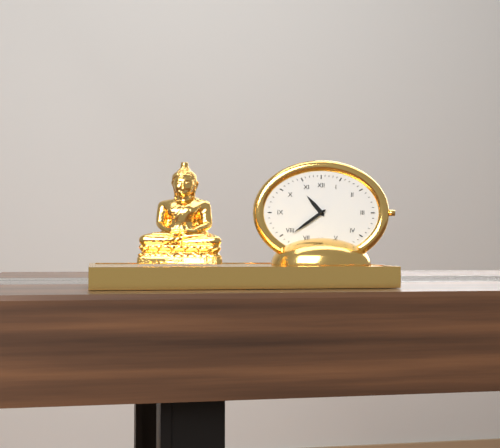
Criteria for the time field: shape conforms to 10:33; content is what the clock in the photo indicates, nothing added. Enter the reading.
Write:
10:39
